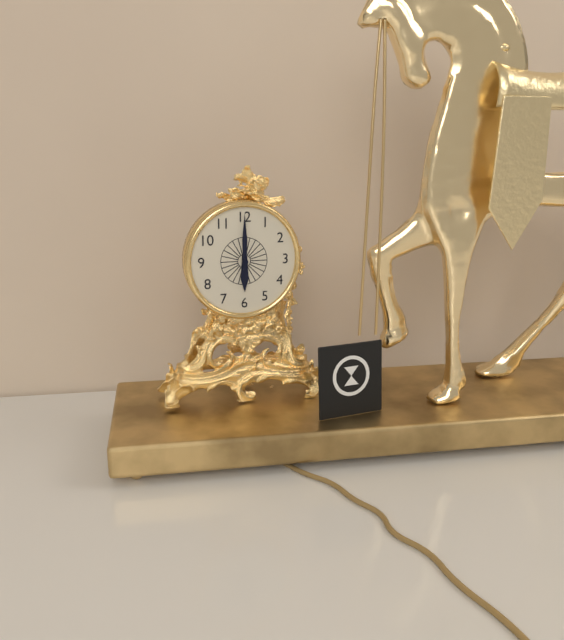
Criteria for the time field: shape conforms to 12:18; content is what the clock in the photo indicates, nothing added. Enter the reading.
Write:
6:00
